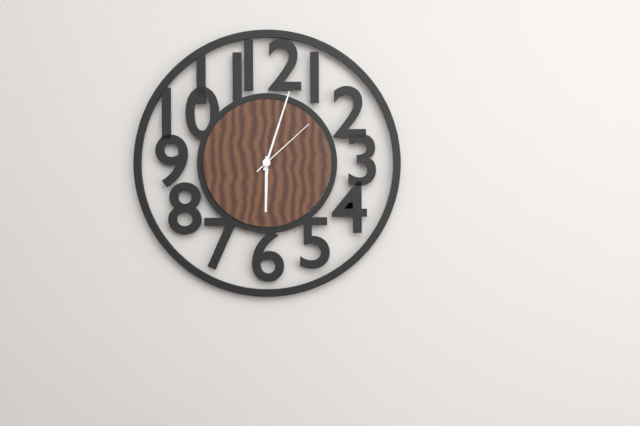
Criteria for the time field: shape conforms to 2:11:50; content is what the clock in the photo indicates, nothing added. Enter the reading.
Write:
6:03:08
